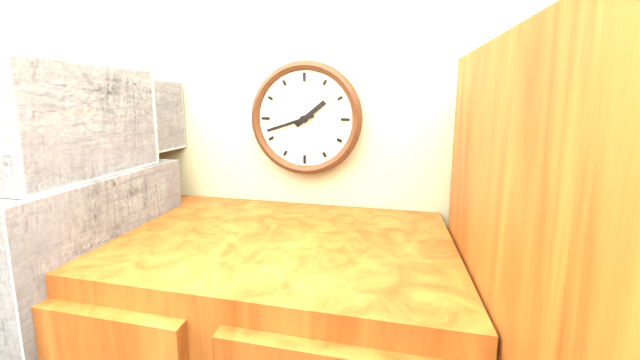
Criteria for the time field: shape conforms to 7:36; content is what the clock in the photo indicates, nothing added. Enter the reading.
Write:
1:42
